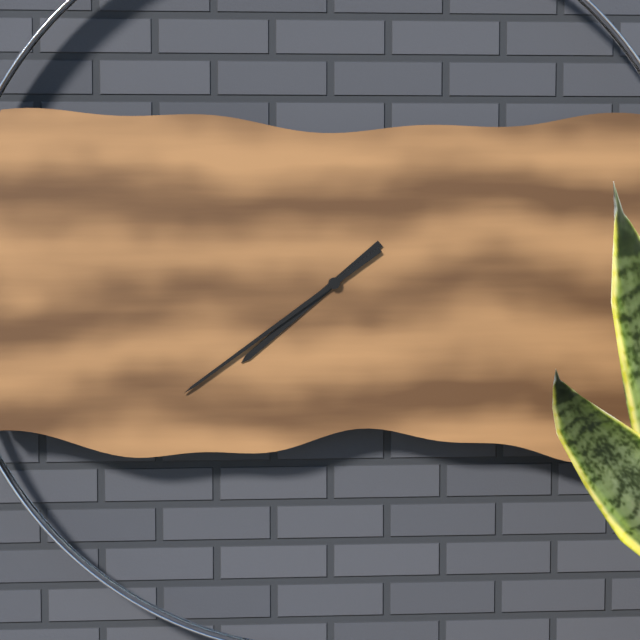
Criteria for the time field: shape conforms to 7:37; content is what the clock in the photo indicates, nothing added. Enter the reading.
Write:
7:39
